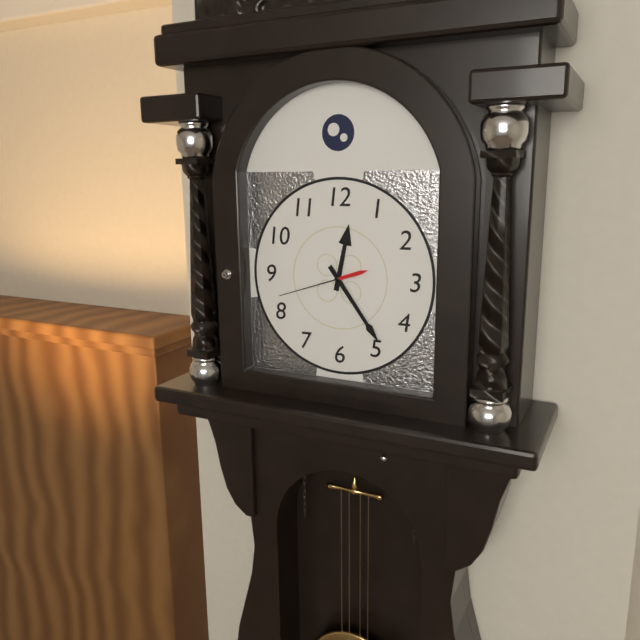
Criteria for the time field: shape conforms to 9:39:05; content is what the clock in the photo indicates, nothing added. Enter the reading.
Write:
12:24:42
